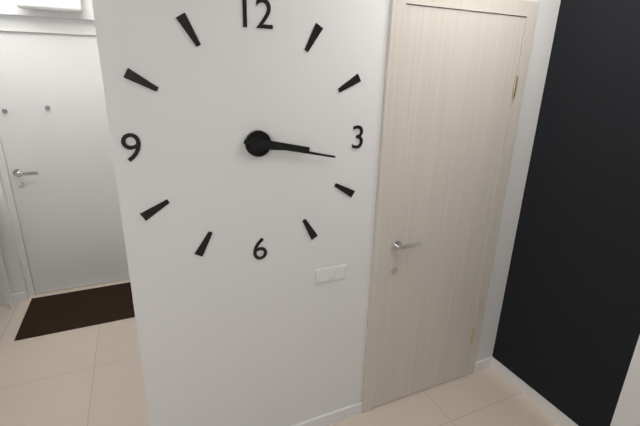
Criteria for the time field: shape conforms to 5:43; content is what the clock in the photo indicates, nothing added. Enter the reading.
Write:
3:17
